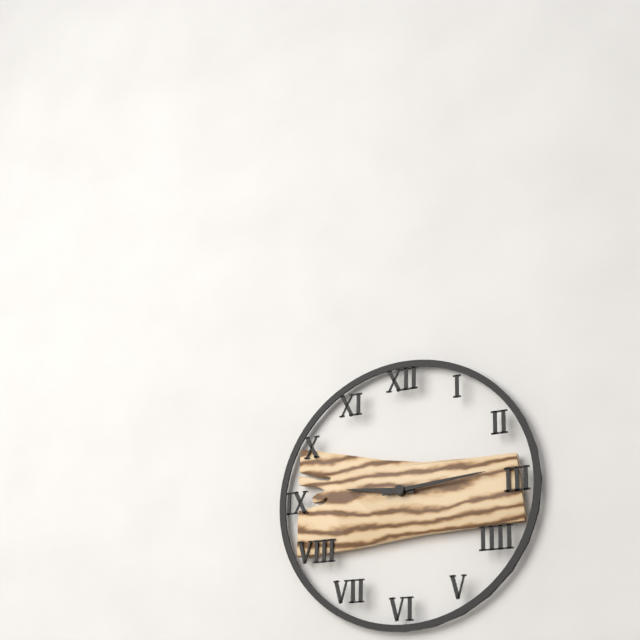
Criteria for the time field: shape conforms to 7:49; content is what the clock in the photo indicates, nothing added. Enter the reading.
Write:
9:14
